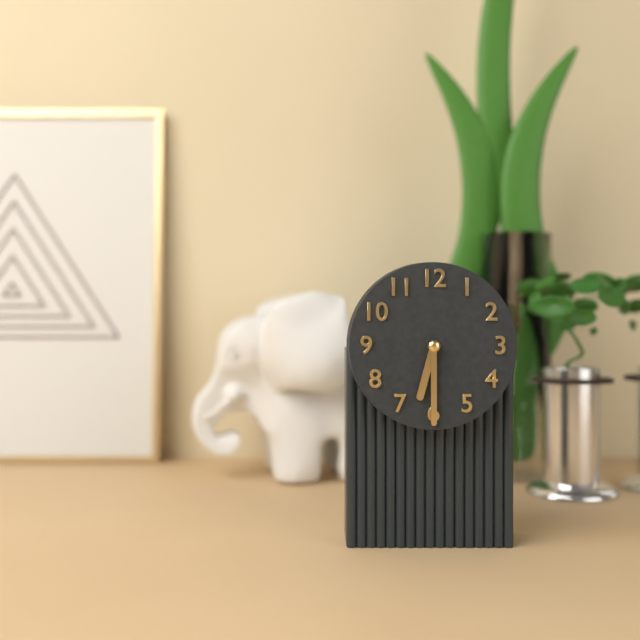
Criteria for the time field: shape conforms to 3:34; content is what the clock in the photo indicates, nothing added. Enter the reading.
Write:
6:30
